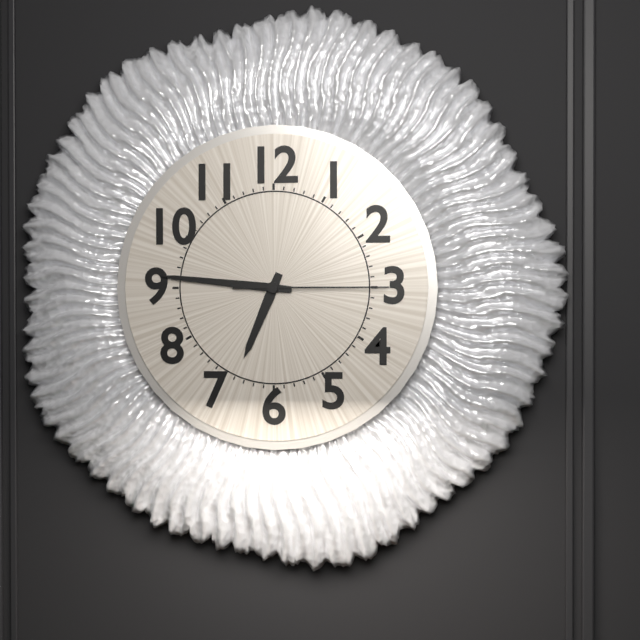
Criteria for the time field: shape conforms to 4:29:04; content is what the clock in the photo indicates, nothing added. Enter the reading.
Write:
6:46:15
